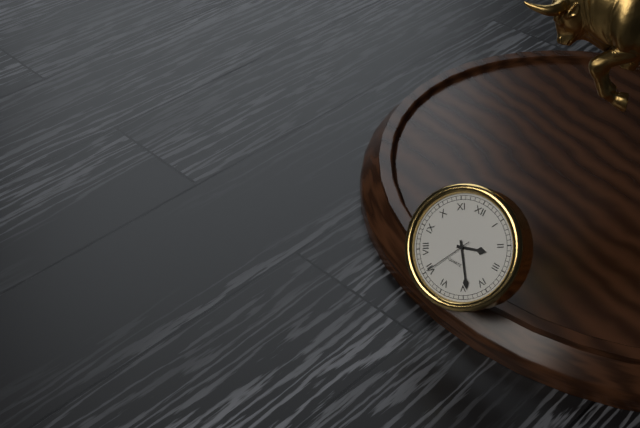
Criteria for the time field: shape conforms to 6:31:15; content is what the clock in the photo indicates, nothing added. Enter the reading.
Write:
2:24:35
